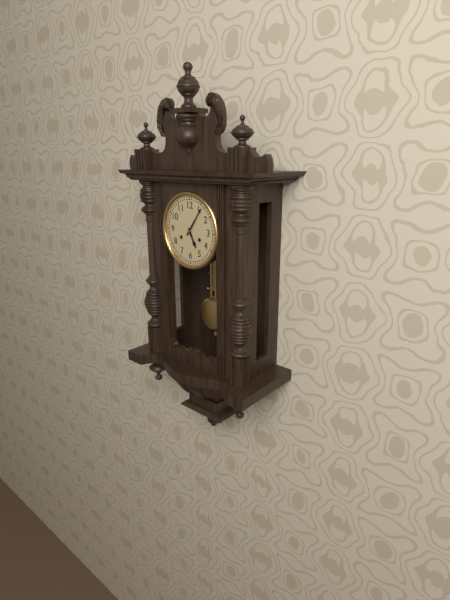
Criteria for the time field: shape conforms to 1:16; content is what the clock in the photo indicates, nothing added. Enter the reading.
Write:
5:06
